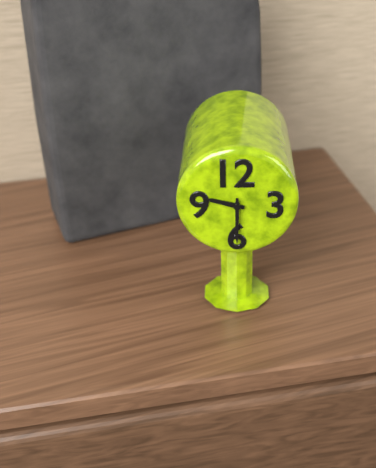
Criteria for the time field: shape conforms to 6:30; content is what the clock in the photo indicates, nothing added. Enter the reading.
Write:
9:30
